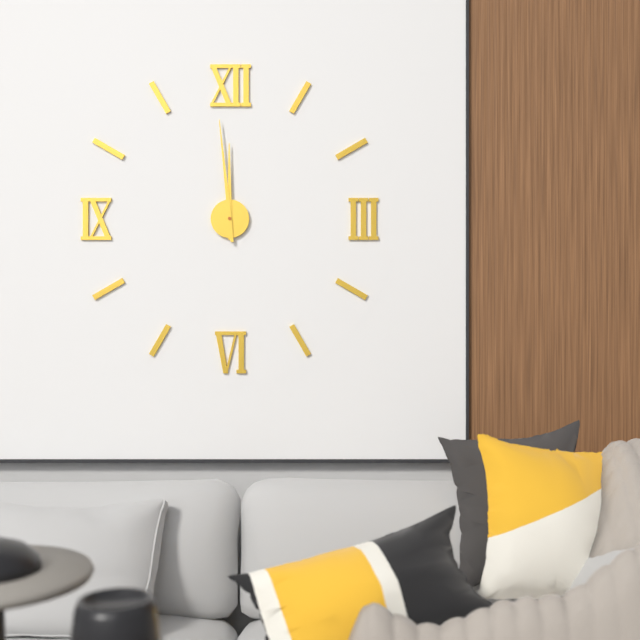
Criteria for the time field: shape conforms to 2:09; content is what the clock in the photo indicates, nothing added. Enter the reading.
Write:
11:59
